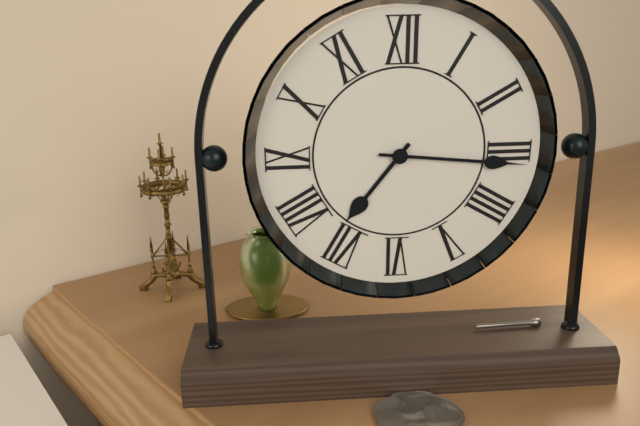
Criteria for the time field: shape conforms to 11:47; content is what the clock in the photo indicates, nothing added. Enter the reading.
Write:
7:16
